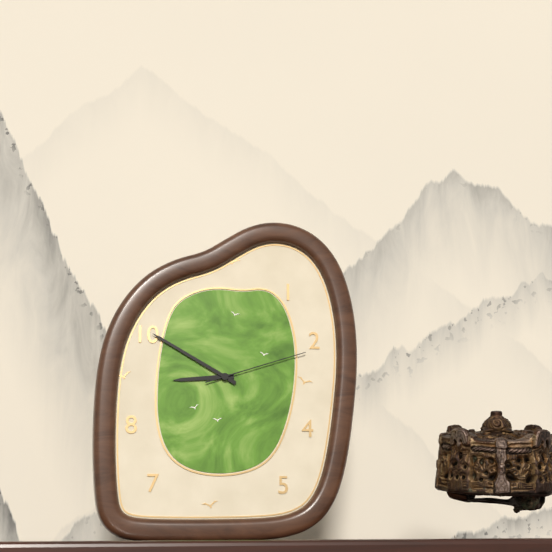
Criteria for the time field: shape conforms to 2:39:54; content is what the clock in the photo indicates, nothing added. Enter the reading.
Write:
8:50:12
